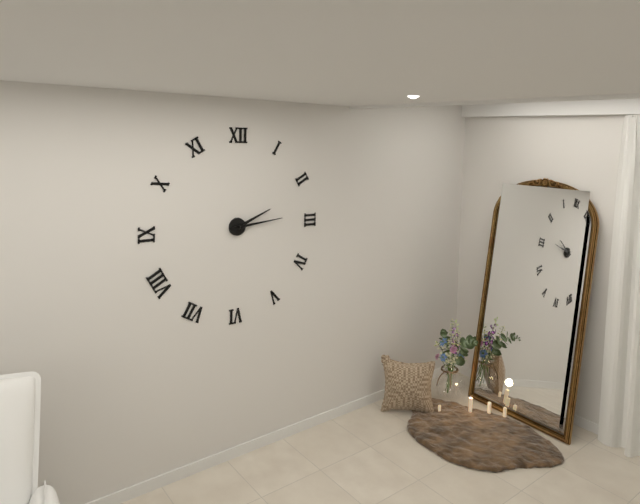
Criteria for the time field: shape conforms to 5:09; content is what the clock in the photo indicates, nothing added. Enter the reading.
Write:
2:14
